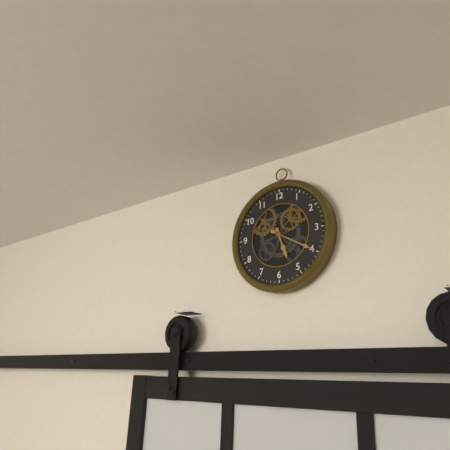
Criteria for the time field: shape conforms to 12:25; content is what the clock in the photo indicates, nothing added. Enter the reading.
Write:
5:20
